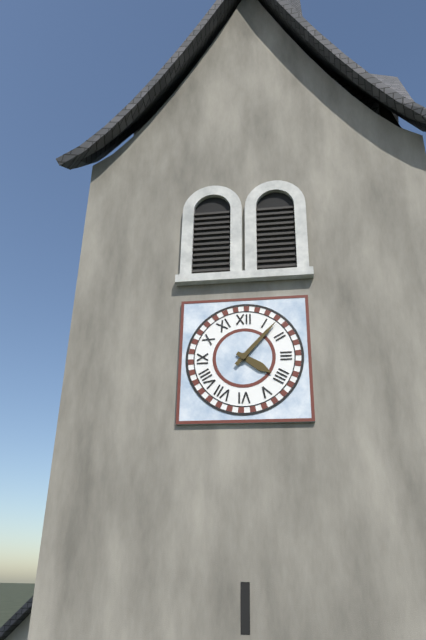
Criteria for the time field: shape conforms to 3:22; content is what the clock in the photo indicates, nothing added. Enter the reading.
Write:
4:07
